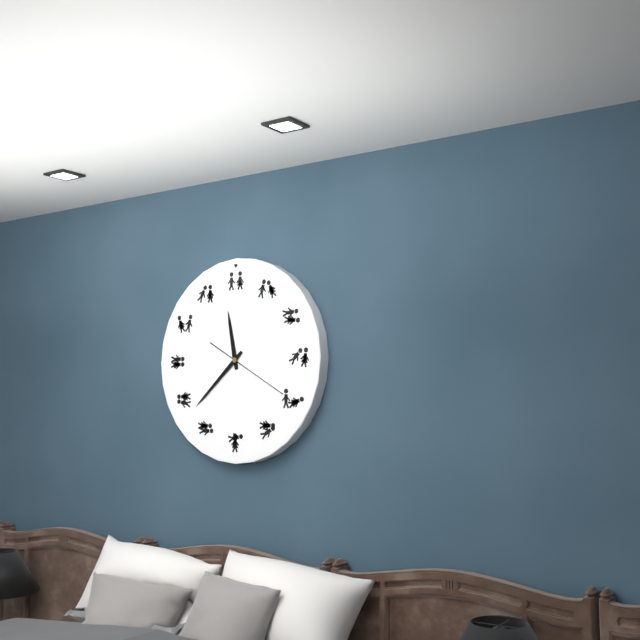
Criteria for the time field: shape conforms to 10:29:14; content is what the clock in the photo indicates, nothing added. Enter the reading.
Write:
11:38:20
